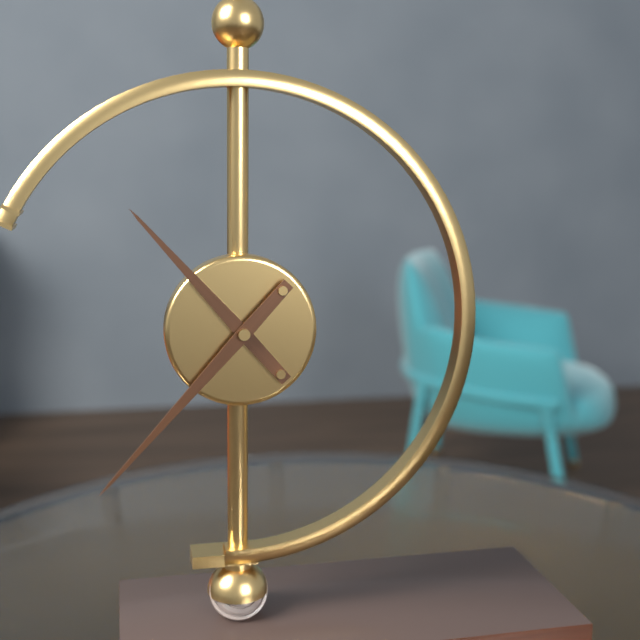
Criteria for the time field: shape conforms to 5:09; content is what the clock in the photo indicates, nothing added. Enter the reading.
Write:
10:37
